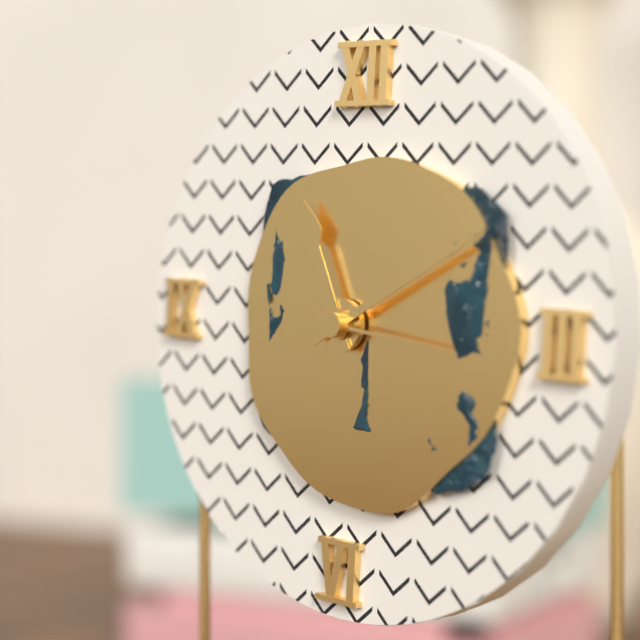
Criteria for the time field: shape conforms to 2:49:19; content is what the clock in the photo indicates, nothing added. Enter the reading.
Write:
11:10:16
